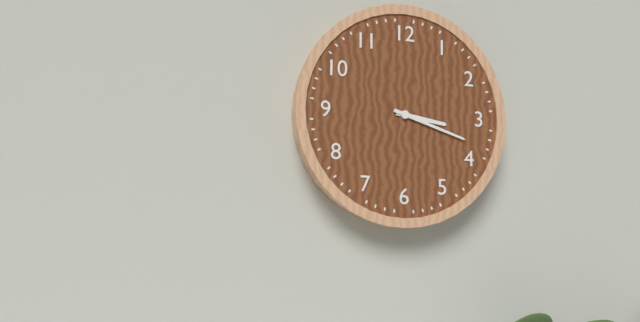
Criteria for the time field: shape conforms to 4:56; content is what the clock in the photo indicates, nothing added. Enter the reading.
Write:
3:18
